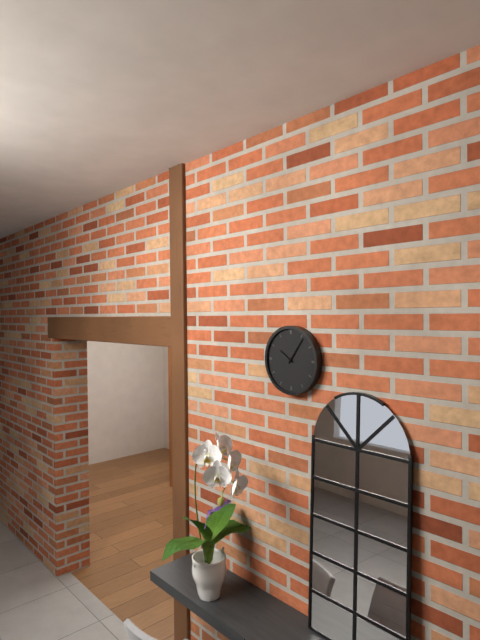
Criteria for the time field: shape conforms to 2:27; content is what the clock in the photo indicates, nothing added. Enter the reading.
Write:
10:06
